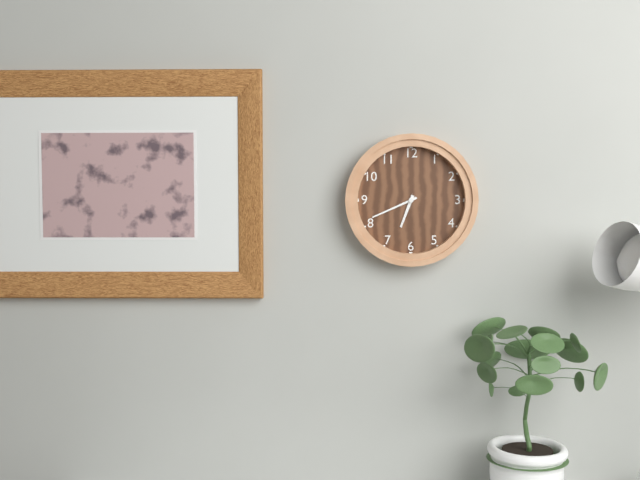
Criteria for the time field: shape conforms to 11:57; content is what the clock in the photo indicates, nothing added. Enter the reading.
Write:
6:41
